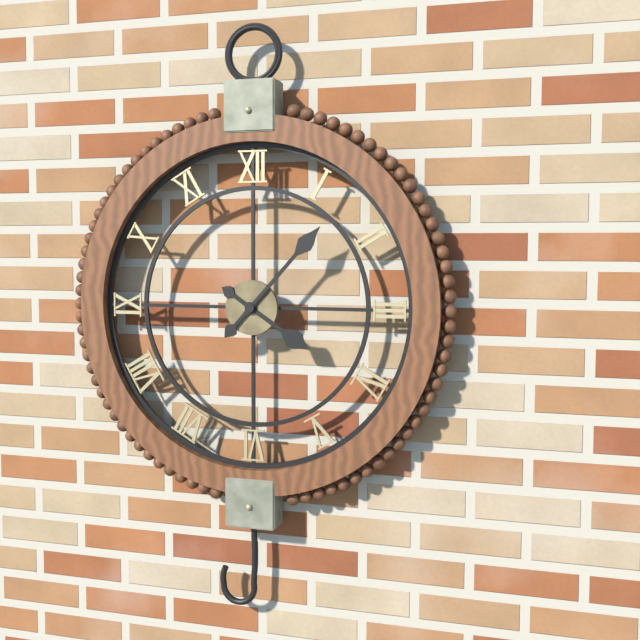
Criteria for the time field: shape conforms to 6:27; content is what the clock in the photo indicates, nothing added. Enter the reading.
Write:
4:07
